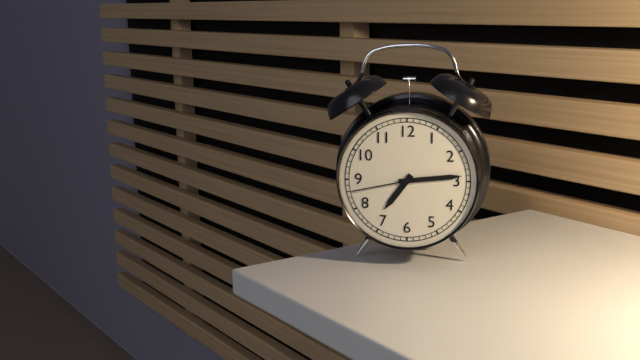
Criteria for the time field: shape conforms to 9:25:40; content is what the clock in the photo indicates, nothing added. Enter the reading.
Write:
7:14:43
